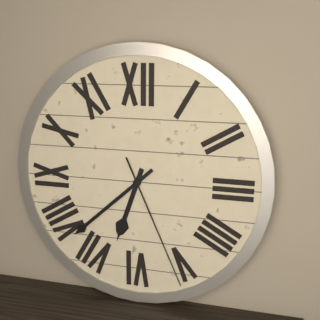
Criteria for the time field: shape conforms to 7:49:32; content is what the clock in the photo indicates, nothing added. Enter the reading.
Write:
6:38:26
